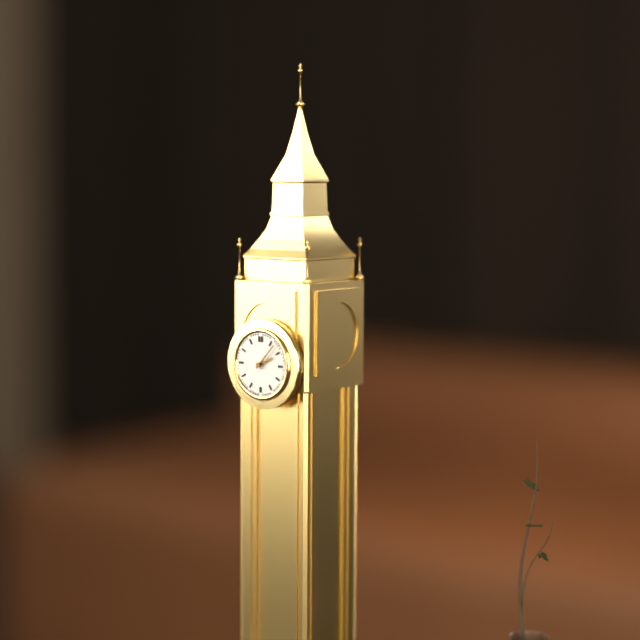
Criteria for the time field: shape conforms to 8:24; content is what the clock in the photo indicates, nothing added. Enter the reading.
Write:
2:07
